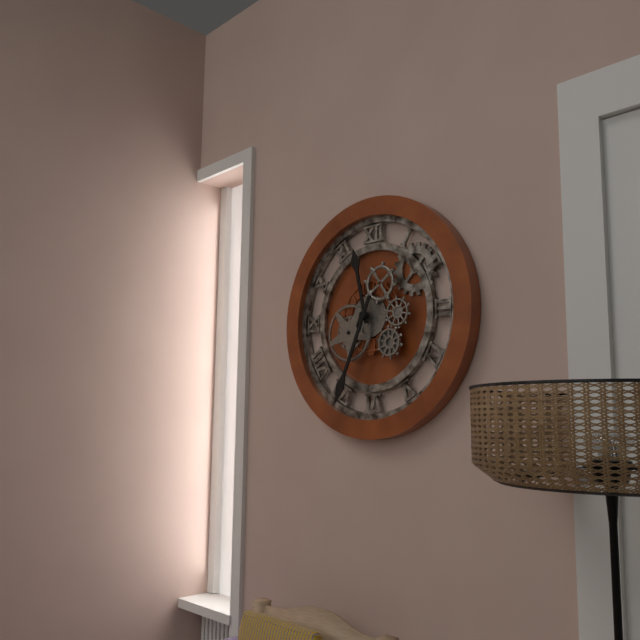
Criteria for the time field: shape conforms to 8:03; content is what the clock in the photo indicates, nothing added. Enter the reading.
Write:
11:34
